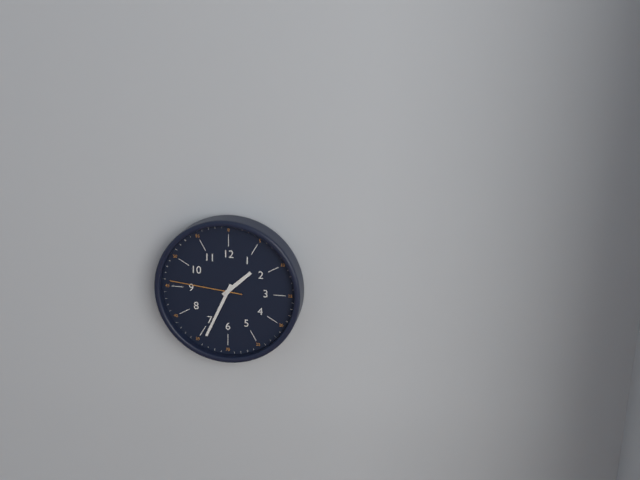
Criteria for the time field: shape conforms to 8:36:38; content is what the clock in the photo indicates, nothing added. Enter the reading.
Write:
1:34:46
